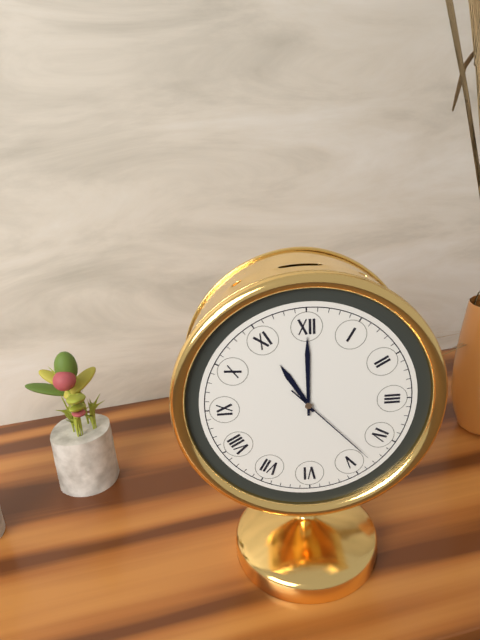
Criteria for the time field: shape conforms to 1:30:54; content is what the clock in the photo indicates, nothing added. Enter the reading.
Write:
11:00:23
